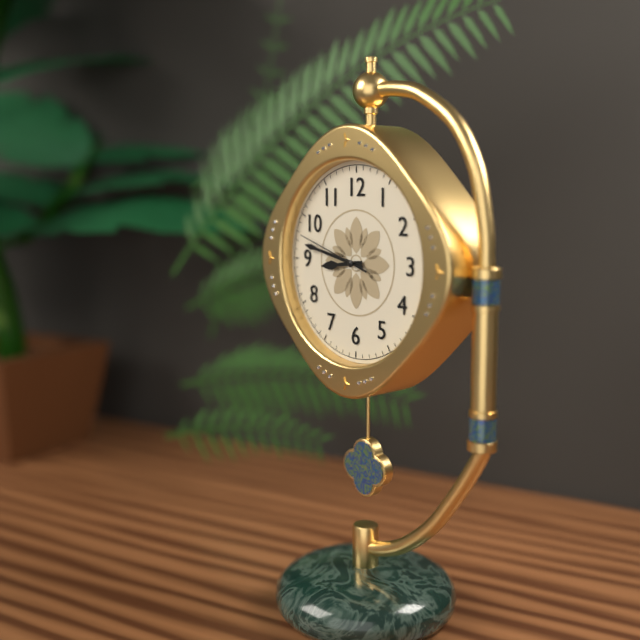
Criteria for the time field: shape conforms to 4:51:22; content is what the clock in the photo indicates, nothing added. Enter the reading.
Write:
8:47:48
